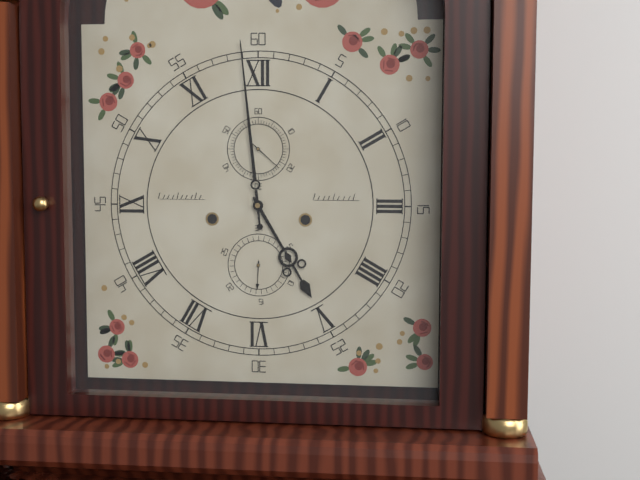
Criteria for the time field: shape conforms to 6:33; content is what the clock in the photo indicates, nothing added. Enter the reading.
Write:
4:59
